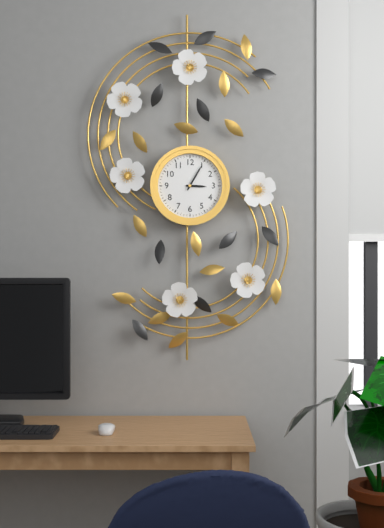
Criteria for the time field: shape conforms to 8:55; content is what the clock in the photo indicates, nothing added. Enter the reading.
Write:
3:05
